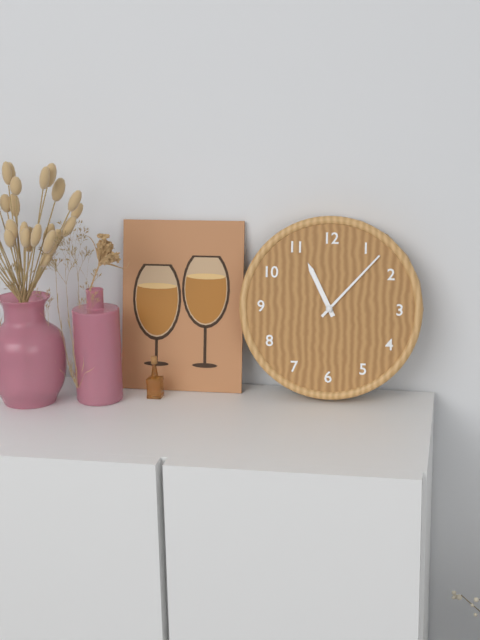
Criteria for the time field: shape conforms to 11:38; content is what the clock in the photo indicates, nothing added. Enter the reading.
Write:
11:07
